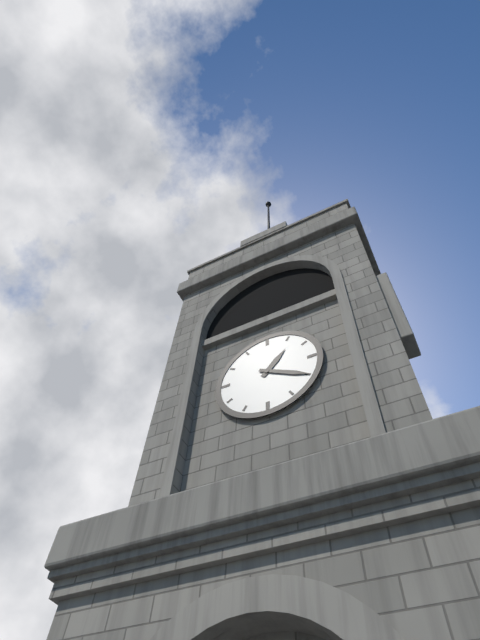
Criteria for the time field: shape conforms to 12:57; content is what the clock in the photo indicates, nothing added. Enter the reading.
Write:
1:20
